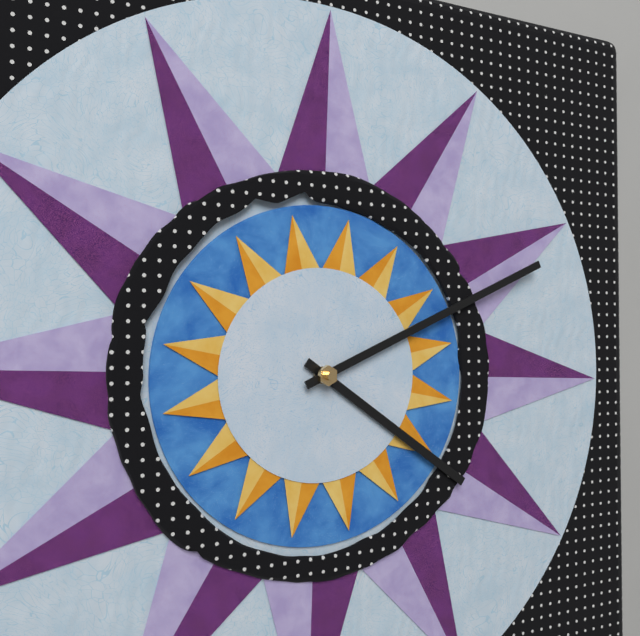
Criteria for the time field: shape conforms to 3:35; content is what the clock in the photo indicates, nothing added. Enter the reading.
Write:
4:11
